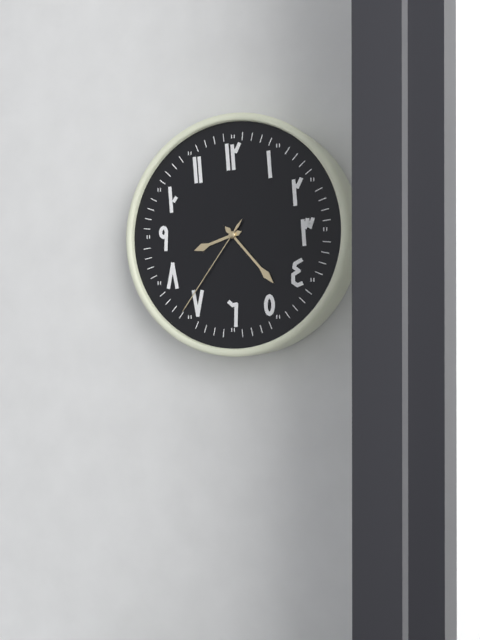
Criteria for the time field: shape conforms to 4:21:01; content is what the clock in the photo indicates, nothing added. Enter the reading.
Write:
8:23:36
